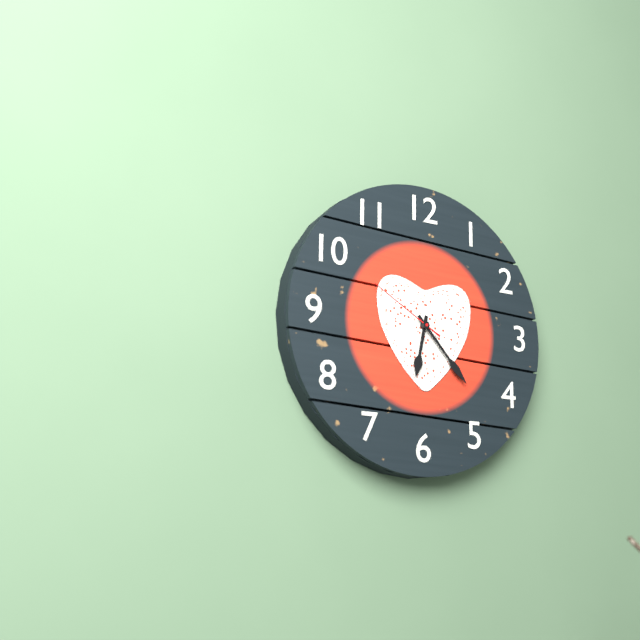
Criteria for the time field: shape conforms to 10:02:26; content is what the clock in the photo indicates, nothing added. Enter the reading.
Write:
6:23:50
